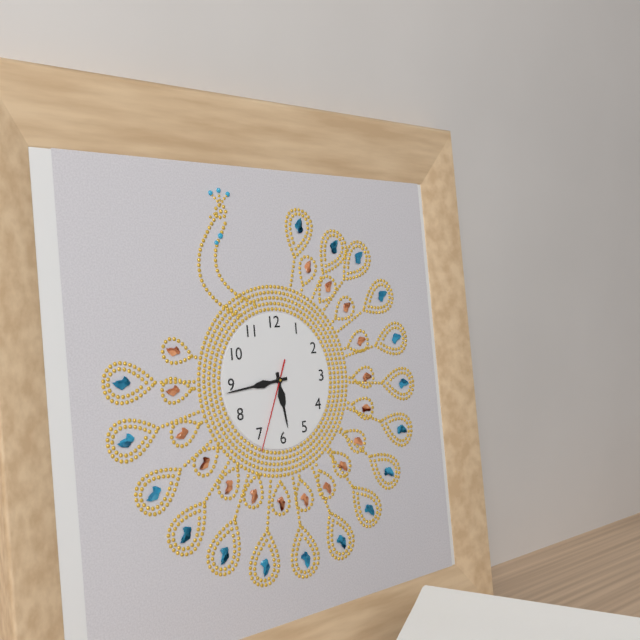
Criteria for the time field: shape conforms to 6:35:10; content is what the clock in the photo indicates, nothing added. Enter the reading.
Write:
5:44:34
